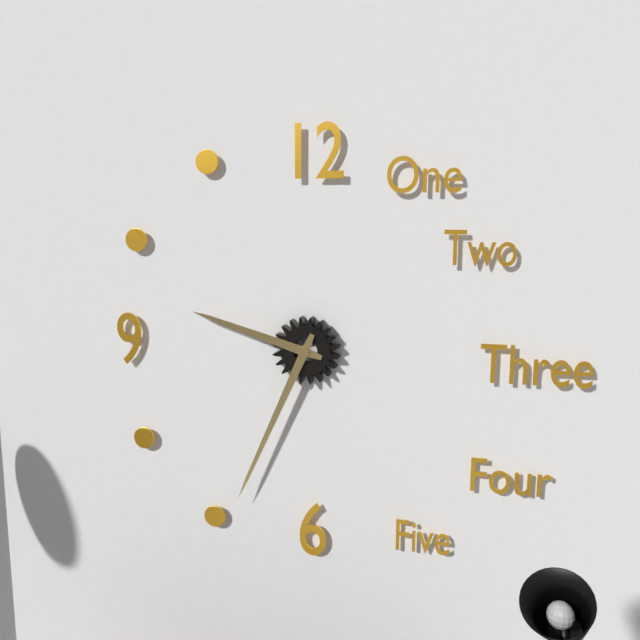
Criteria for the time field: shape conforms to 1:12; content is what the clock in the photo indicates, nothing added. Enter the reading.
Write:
9:34
